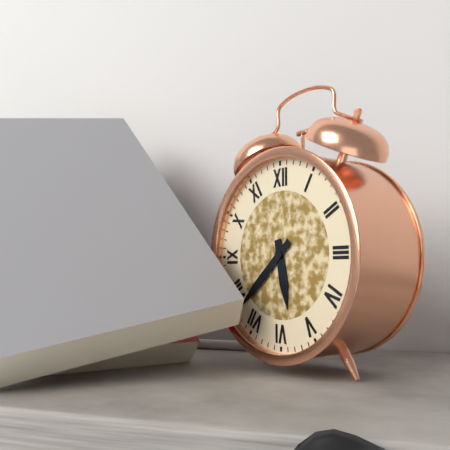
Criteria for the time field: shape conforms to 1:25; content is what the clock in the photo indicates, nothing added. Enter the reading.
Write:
5:38
